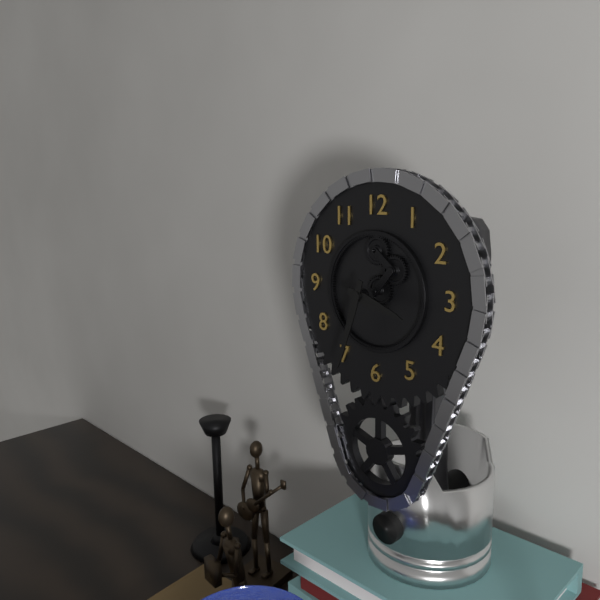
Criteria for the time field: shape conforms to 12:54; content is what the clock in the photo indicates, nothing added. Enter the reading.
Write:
3:33
